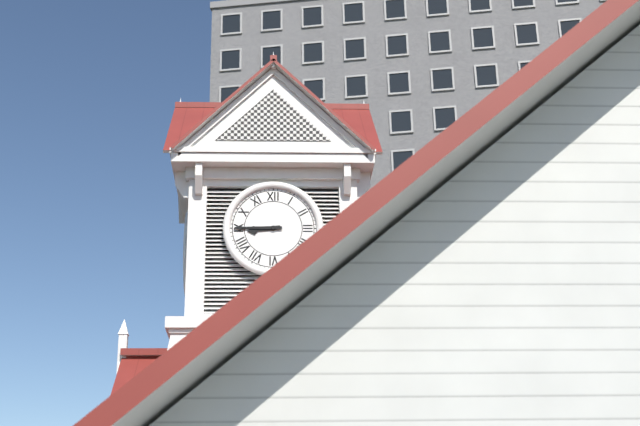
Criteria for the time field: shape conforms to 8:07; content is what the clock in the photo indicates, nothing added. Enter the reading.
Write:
8:45
